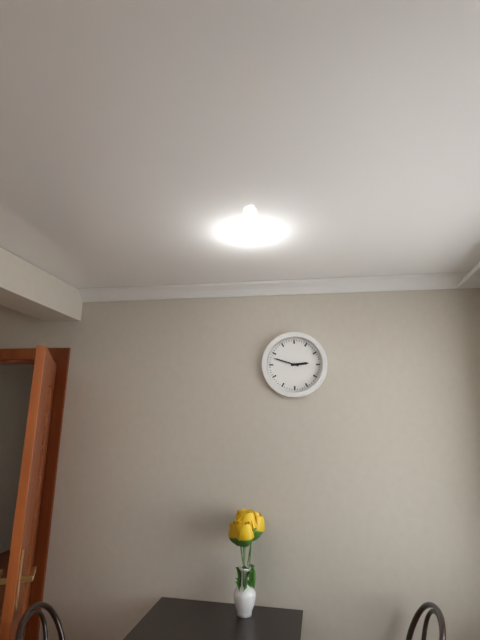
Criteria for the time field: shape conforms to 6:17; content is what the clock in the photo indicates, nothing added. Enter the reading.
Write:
2:48
